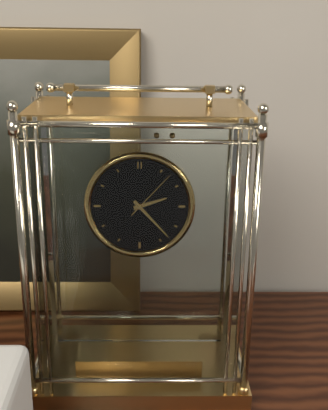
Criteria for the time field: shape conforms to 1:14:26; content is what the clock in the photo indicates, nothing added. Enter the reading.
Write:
2:23:07
